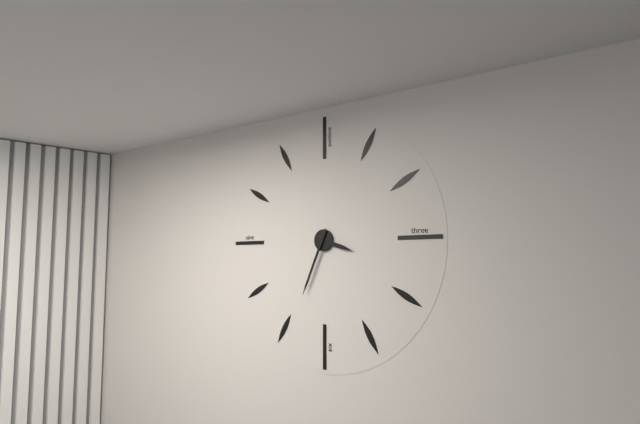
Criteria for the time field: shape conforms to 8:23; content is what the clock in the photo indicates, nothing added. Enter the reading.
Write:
3:34
